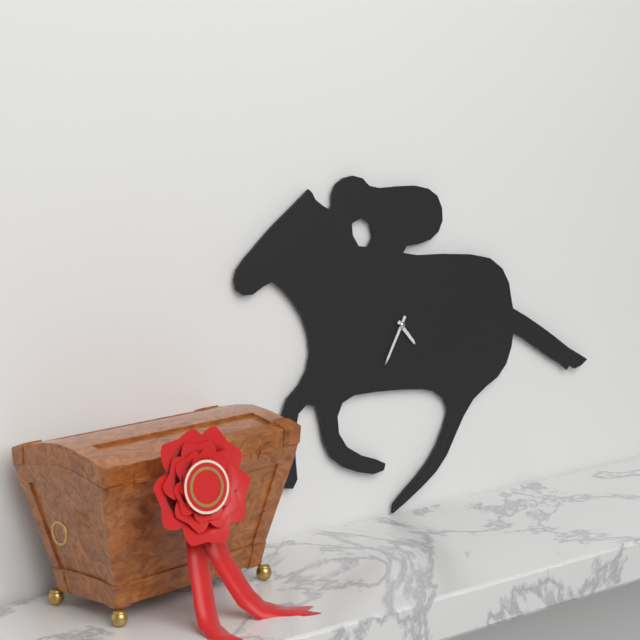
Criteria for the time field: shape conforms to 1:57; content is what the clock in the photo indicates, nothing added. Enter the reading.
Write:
4:35
